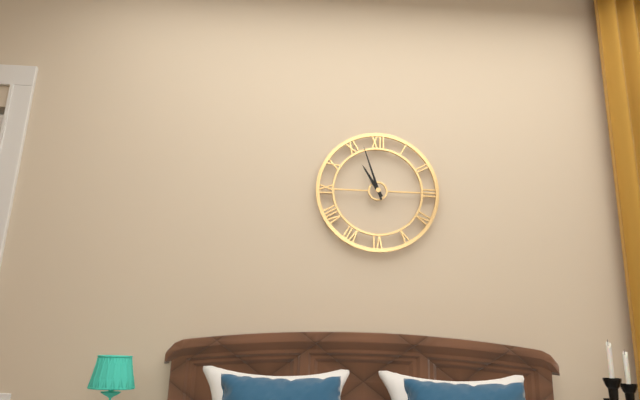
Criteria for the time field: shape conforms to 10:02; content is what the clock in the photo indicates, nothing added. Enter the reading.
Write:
10:57
